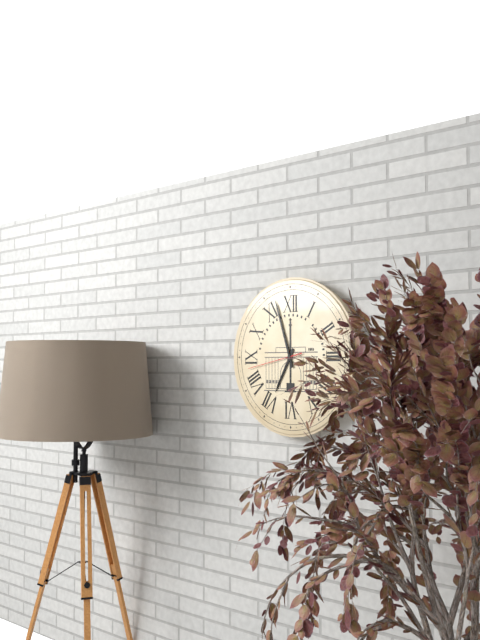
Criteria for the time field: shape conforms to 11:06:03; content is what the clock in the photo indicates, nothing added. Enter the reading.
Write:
6:57:43
